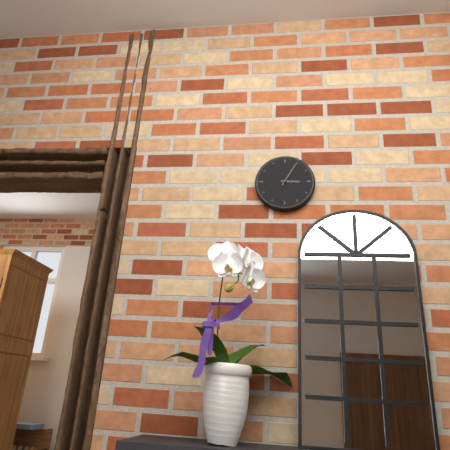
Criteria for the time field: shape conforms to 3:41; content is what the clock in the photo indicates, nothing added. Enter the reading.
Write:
3:05
